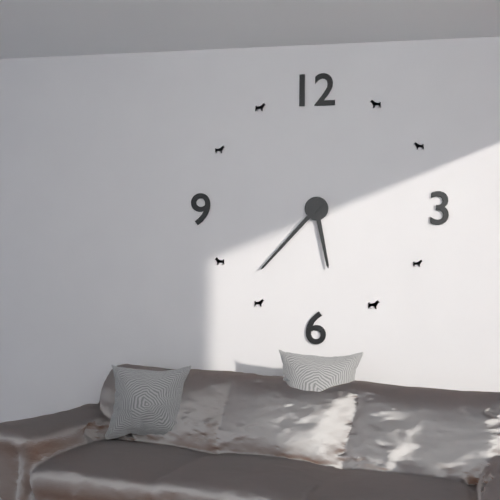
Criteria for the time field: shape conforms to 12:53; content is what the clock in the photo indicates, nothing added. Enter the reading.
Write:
5:37
